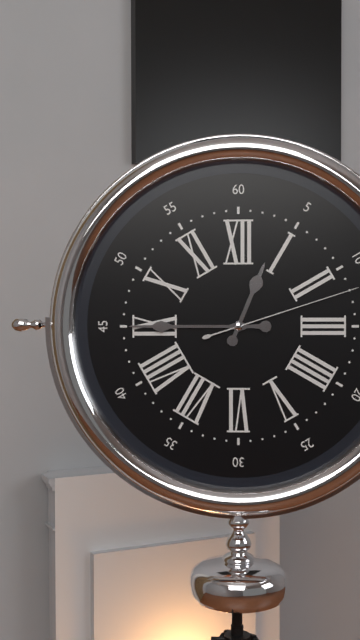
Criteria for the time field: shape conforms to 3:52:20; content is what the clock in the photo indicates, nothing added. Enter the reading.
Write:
12:45:12
